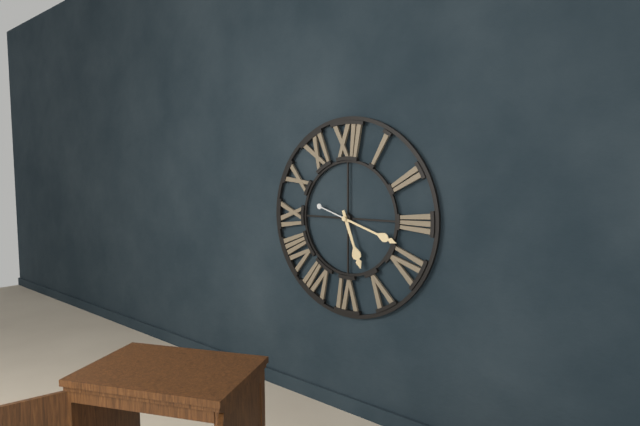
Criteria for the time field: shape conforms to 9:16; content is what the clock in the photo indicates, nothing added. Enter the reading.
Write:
5:18
